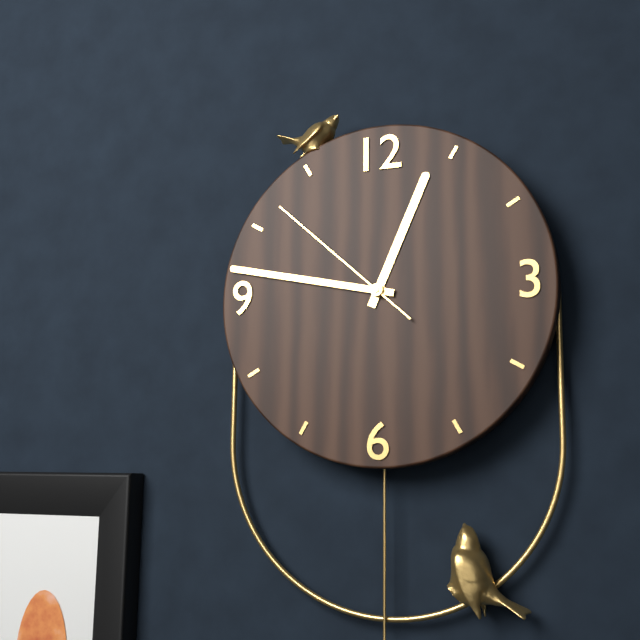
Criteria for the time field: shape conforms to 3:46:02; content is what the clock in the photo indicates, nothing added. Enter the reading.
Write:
12:47:52
